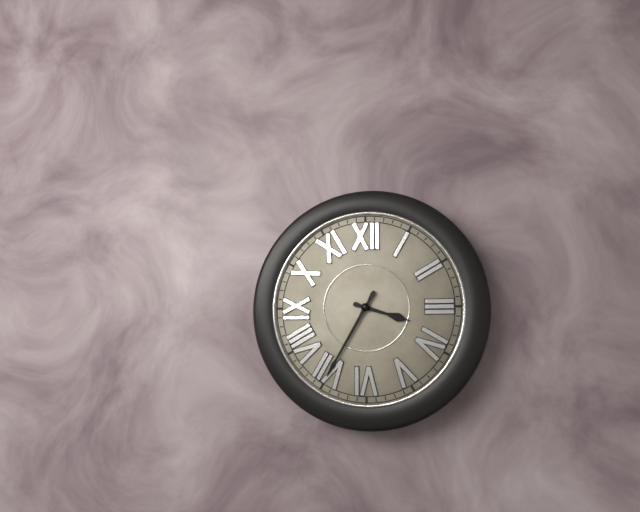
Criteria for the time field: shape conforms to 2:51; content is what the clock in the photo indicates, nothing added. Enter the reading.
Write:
3:35
